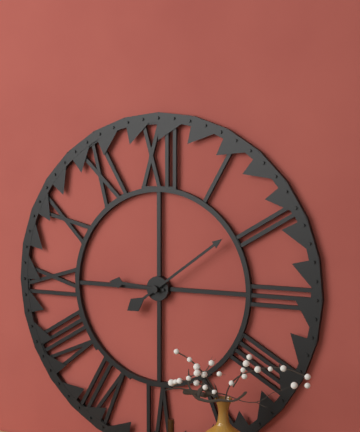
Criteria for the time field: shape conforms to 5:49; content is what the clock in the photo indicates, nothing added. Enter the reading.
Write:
9:09
